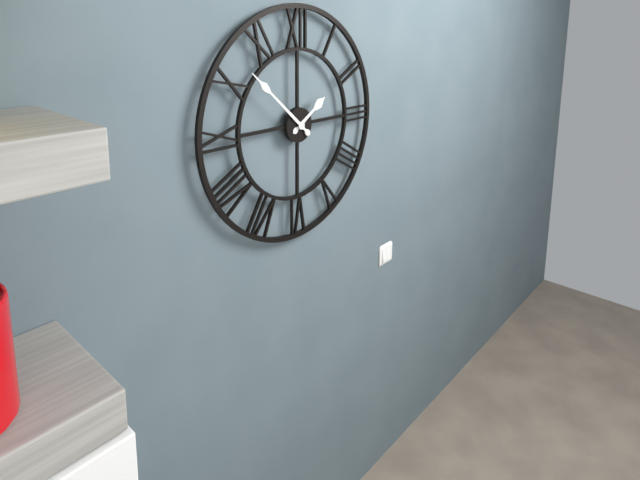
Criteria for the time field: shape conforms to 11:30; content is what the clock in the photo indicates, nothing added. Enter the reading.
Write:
1:52
